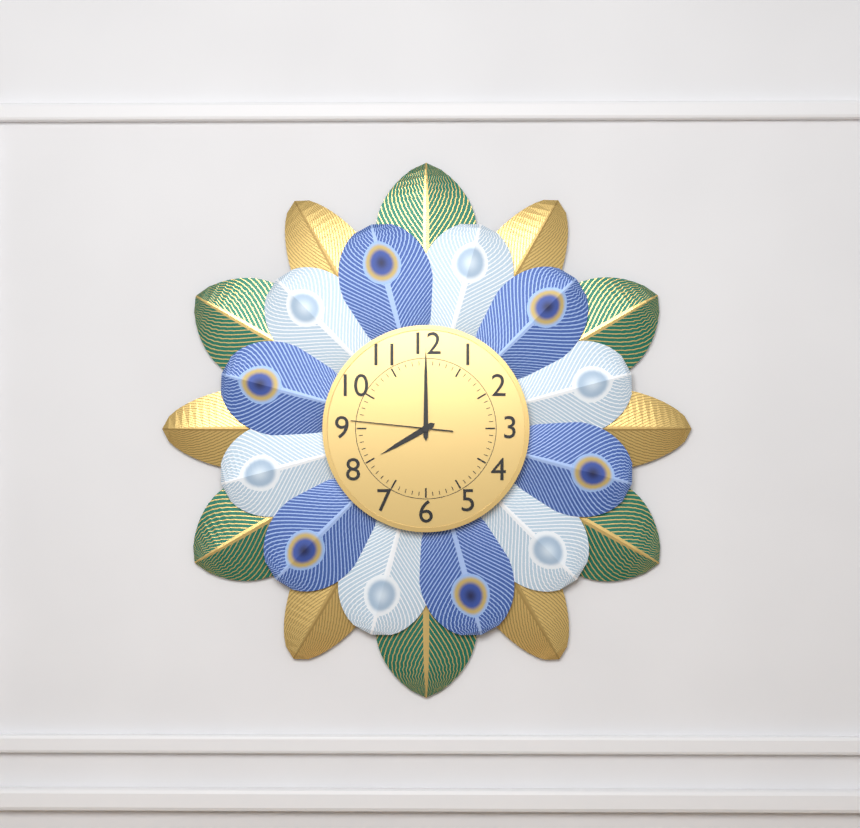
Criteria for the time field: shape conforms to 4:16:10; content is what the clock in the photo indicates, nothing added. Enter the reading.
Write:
8:00:46
